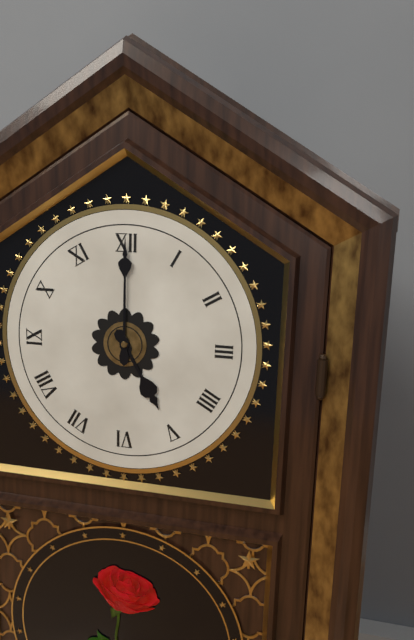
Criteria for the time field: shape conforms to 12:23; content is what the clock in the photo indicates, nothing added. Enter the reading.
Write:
5:00
